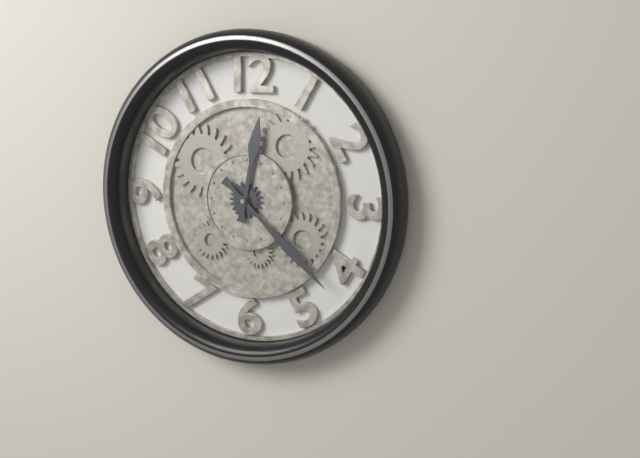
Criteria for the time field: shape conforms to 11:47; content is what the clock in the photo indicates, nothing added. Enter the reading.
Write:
12:22
